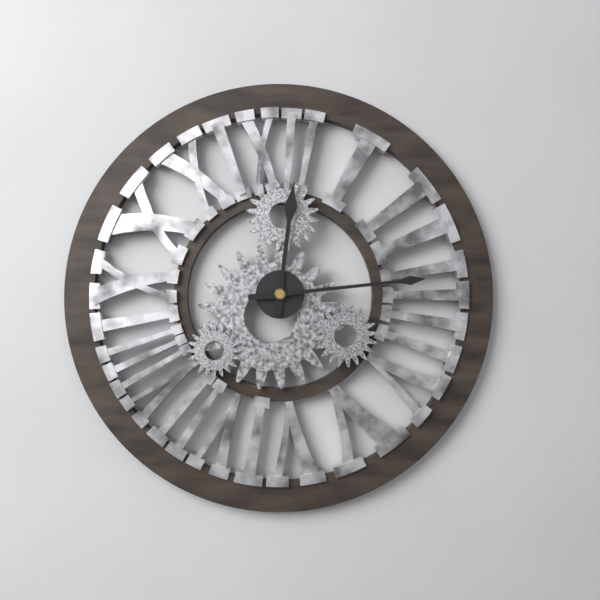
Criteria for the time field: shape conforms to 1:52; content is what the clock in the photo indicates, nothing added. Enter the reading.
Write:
12:14
